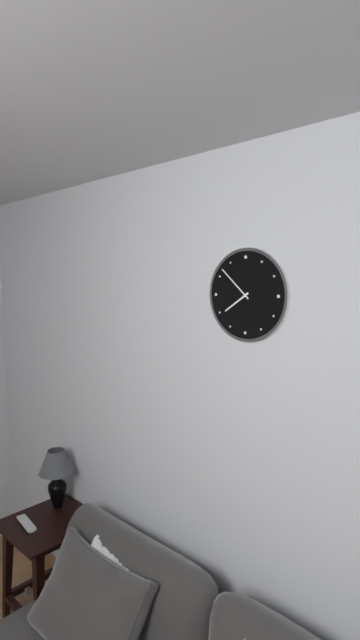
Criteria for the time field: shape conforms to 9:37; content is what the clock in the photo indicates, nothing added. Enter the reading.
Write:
7:52
